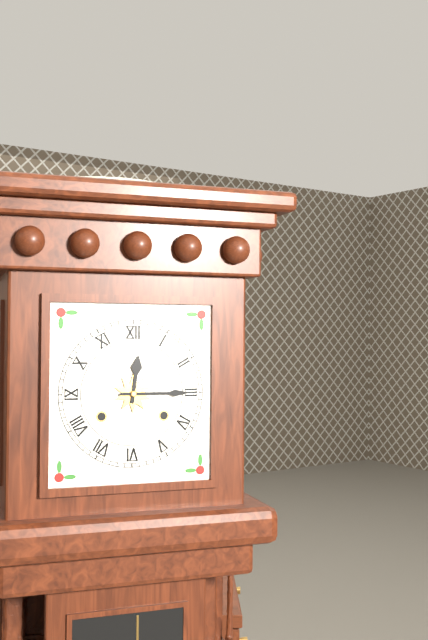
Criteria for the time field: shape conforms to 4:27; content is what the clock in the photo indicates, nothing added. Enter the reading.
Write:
12:15
